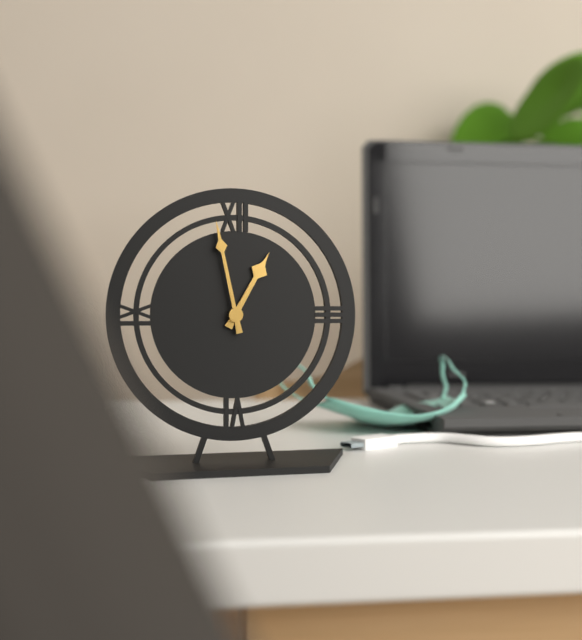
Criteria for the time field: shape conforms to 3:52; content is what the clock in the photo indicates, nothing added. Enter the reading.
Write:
12:58
